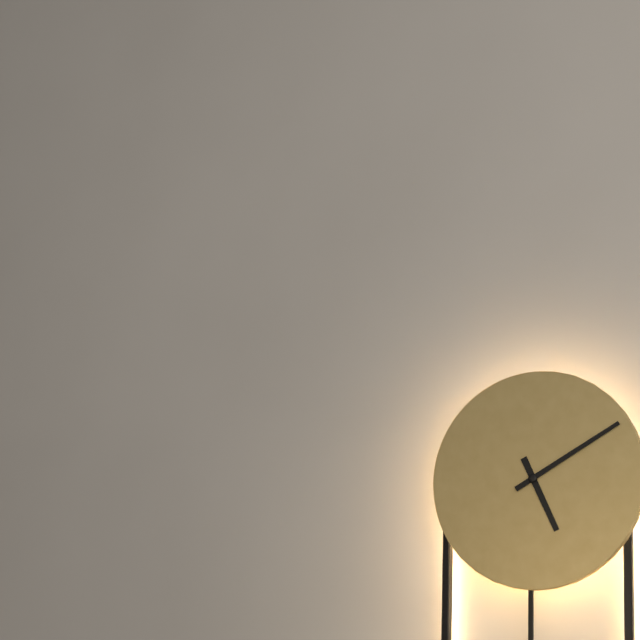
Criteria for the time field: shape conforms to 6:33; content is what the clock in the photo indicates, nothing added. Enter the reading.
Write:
5:10
